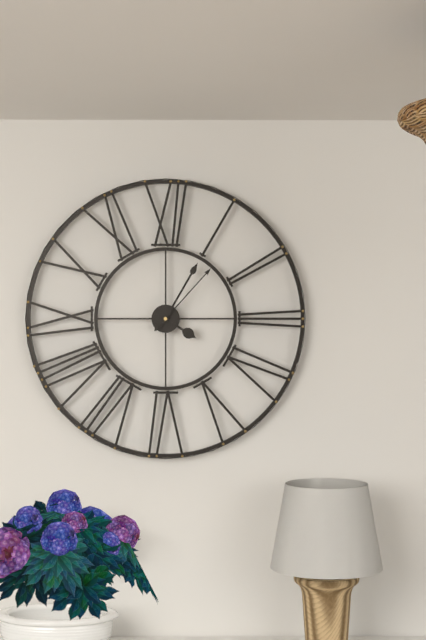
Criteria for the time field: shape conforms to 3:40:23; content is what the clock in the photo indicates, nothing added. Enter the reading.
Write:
4:05:07
